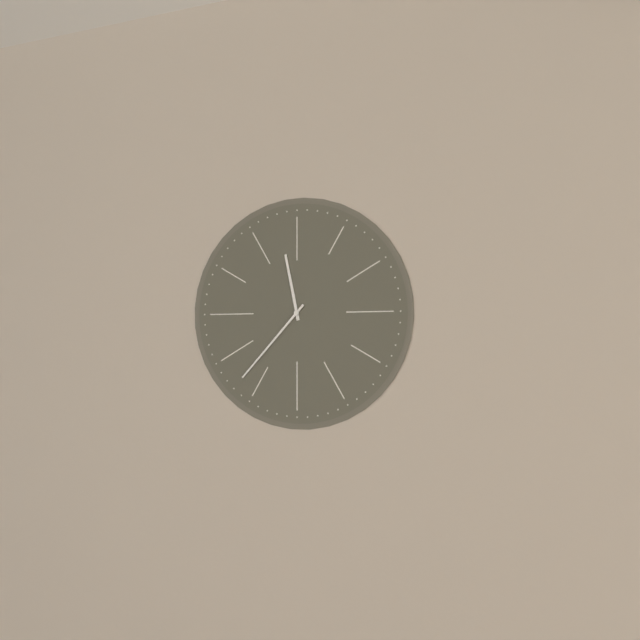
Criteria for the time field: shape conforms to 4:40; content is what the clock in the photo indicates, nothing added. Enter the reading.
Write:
11:37
